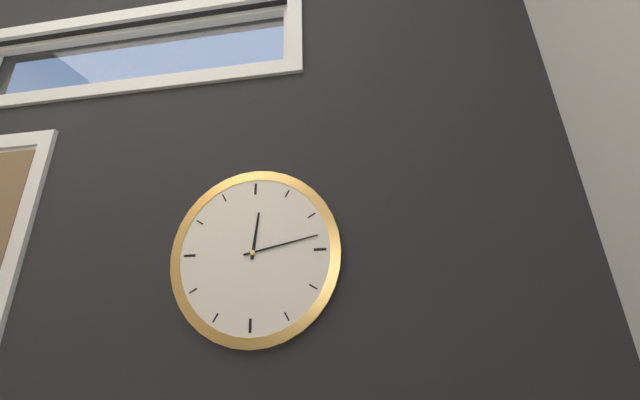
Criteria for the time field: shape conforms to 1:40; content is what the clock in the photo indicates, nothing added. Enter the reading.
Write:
12:13
